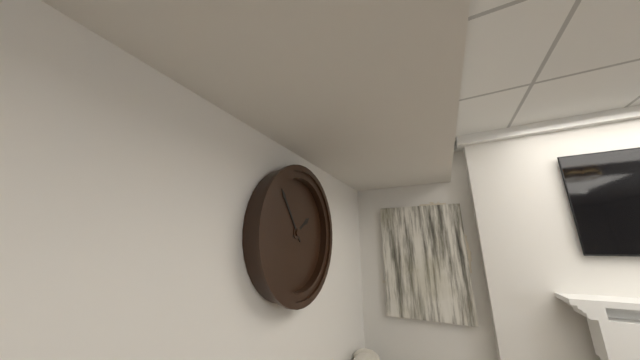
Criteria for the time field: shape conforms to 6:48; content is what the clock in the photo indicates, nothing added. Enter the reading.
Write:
1:54
